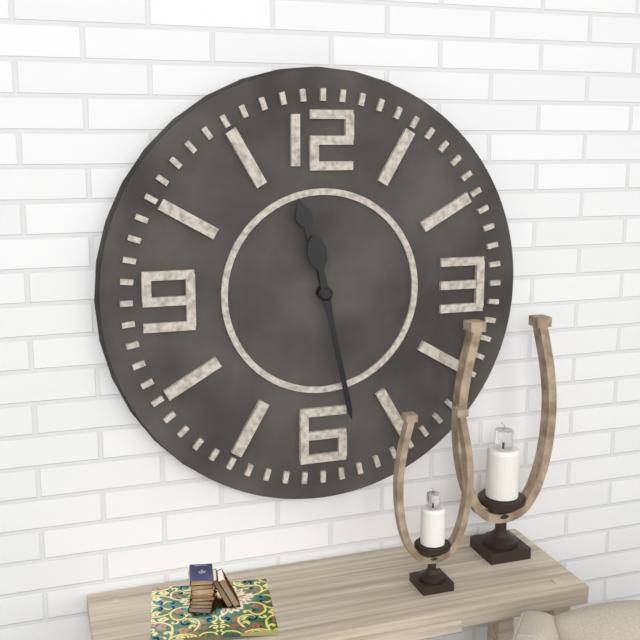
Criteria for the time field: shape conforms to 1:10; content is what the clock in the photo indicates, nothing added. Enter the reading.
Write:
11:28
